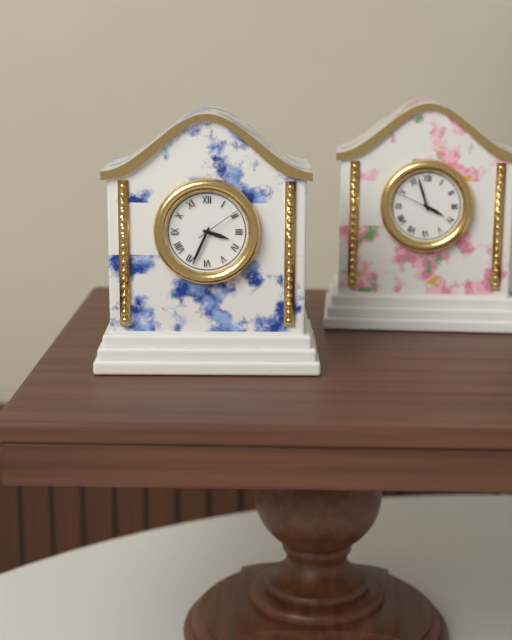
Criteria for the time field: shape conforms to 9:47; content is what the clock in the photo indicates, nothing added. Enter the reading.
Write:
3:34
